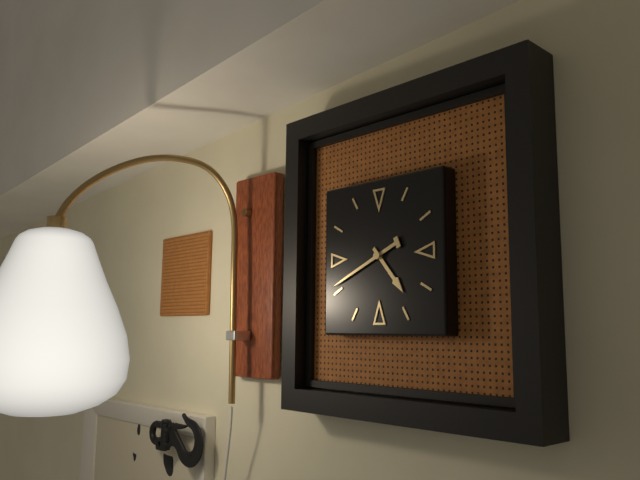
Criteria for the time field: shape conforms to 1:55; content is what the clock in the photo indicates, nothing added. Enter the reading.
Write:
4:41
